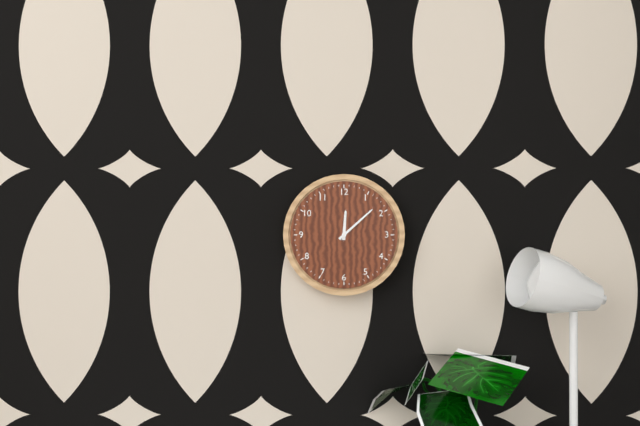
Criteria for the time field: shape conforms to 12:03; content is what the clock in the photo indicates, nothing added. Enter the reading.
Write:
12:08
